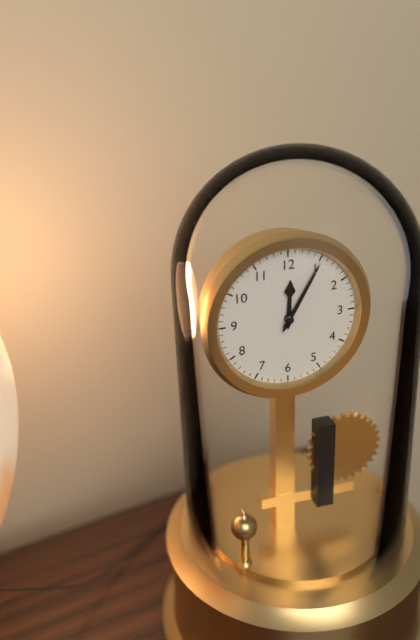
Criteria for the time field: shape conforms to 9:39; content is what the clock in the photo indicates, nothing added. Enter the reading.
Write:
12:05
